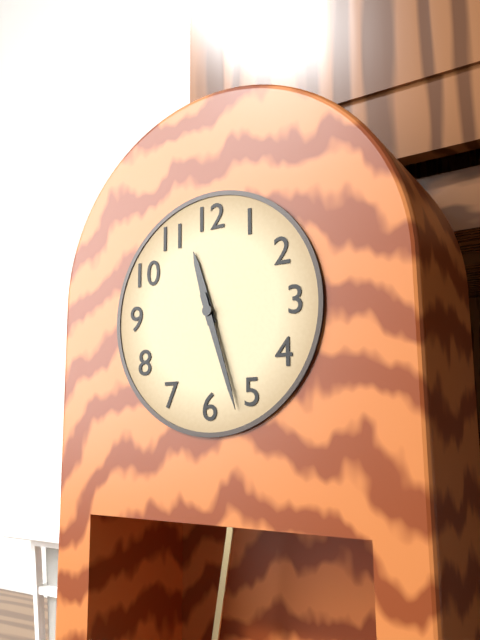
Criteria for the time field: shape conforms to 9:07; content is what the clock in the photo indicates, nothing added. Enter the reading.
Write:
11:27
